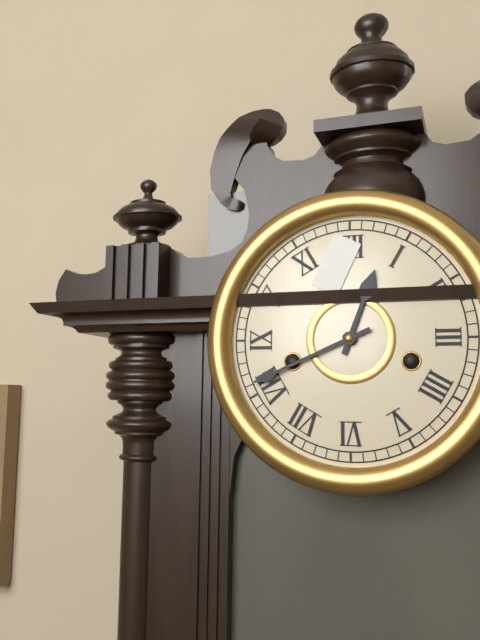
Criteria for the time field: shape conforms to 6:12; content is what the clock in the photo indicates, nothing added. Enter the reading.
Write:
12:41
